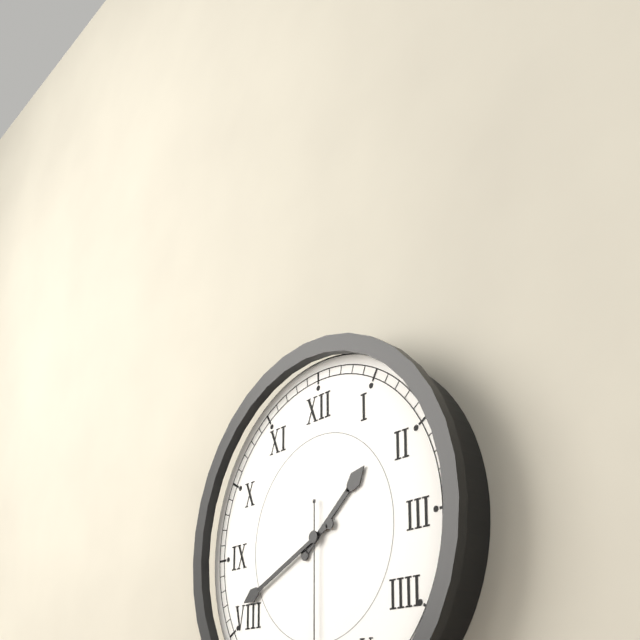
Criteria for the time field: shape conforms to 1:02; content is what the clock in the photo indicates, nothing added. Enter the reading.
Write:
1:41
